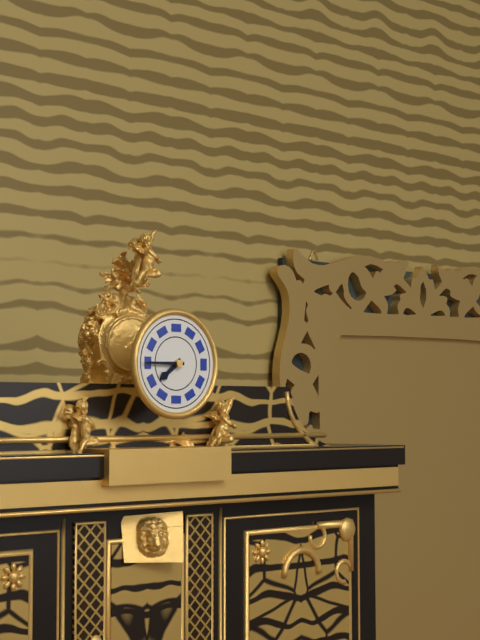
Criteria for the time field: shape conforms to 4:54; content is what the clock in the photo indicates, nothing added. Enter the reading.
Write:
7:45
